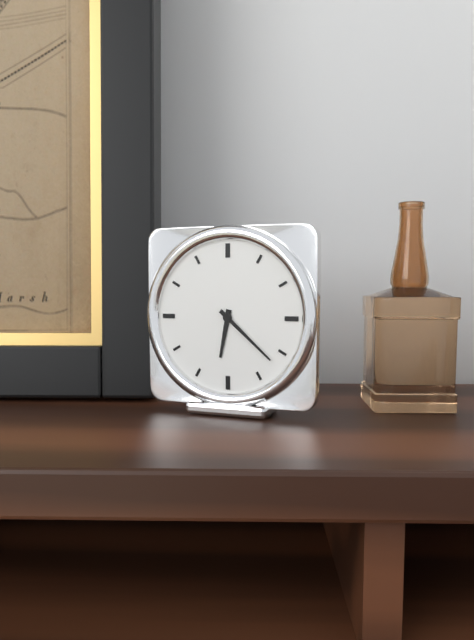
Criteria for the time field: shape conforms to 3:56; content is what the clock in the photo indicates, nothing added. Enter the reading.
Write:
6:22
